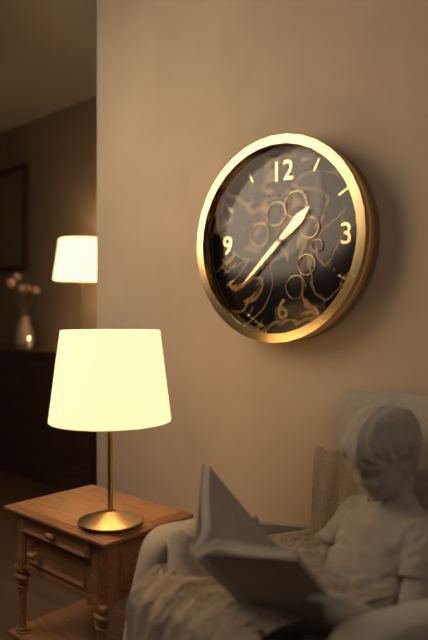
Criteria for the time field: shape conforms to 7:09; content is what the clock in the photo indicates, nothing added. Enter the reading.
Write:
1:38
